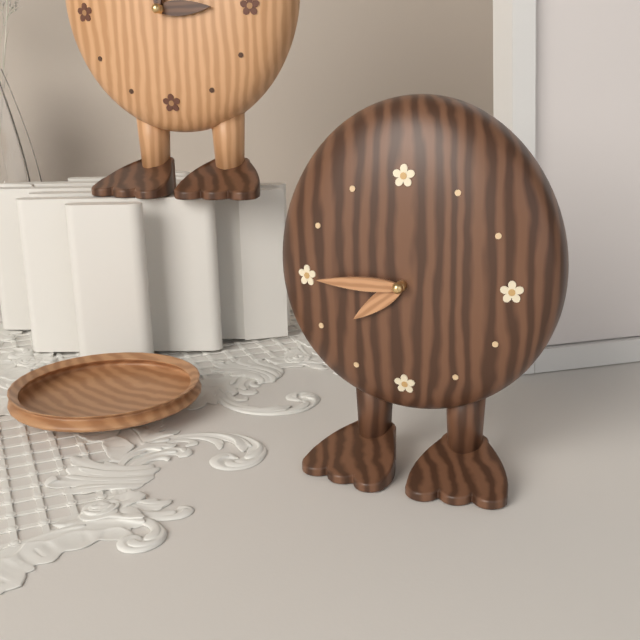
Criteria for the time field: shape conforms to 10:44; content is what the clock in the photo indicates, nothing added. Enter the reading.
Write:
7:45
